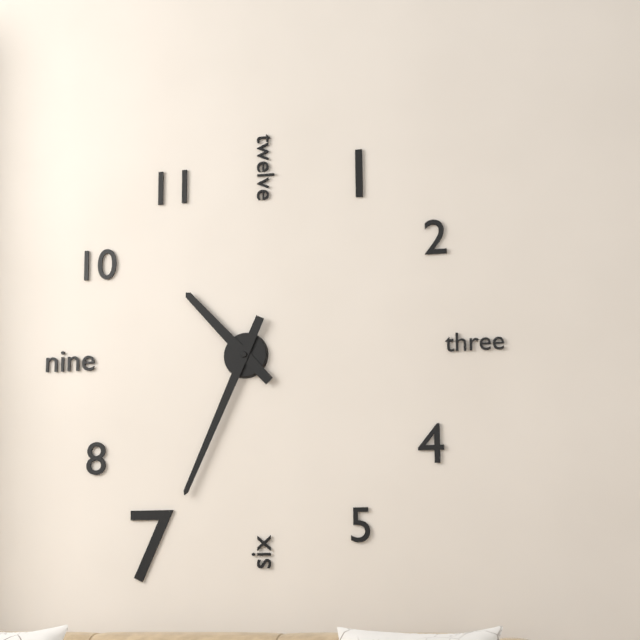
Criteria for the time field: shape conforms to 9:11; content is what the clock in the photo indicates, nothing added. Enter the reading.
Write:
10:34
